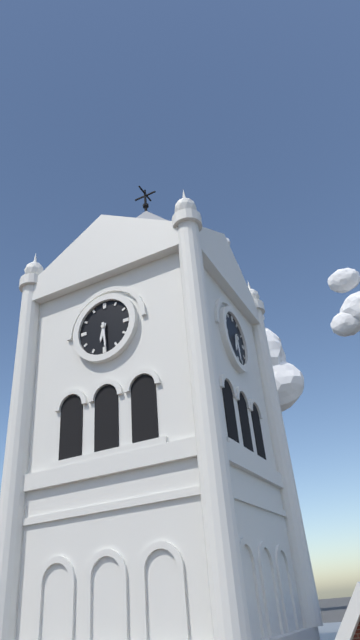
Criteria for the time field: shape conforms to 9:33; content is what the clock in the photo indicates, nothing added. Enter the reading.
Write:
6:29
